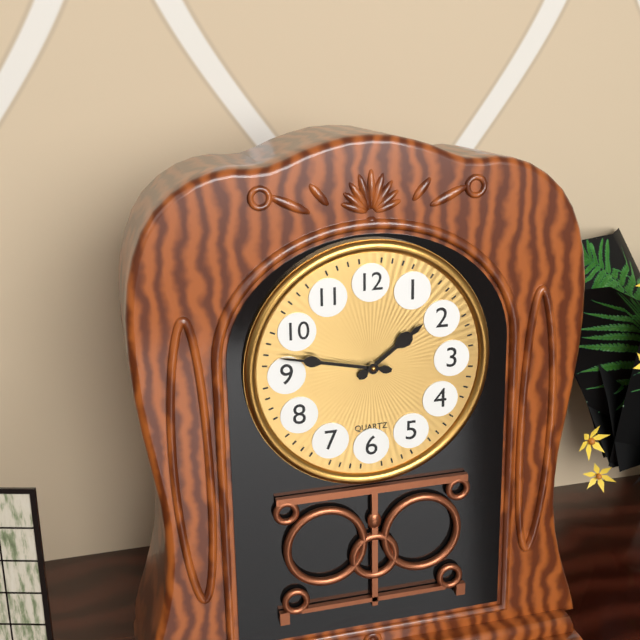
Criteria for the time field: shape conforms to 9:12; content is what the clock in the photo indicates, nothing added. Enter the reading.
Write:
1:47
